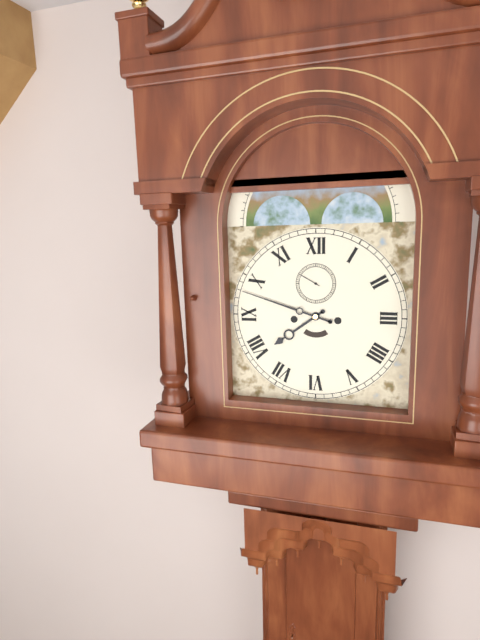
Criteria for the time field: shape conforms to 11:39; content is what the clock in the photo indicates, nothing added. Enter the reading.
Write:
7:48
